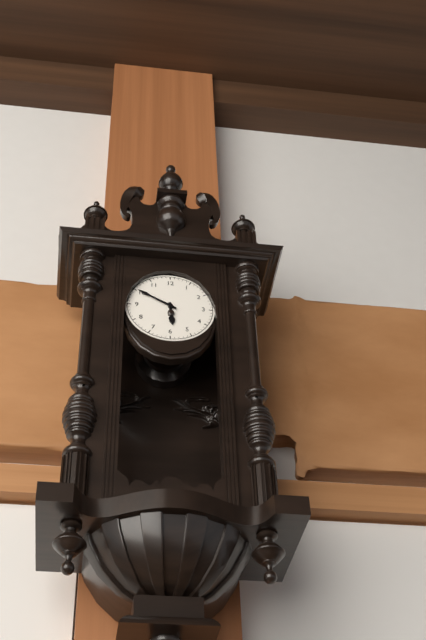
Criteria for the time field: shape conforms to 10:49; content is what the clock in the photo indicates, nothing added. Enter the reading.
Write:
5:50
